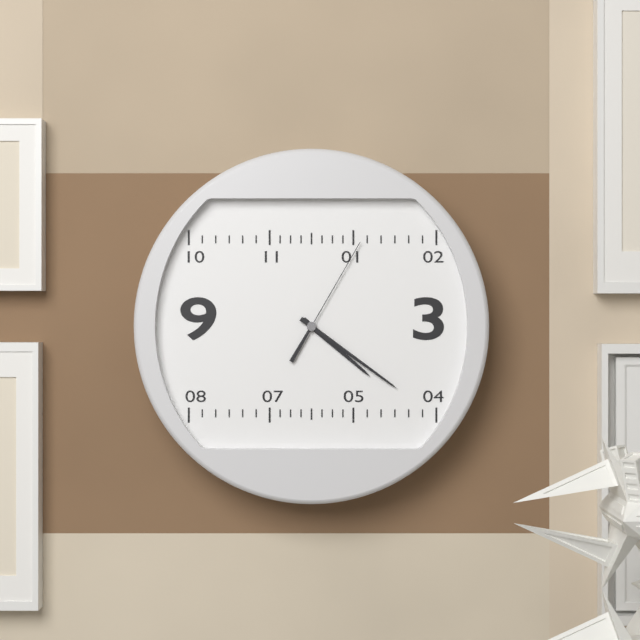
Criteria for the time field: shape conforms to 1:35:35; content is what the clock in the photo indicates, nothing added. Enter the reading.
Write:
4:21:05
